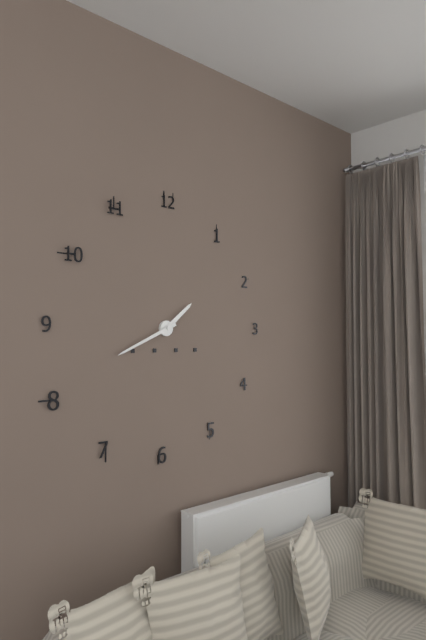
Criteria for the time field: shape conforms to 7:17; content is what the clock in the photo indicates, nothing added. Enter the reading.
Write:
1:41
